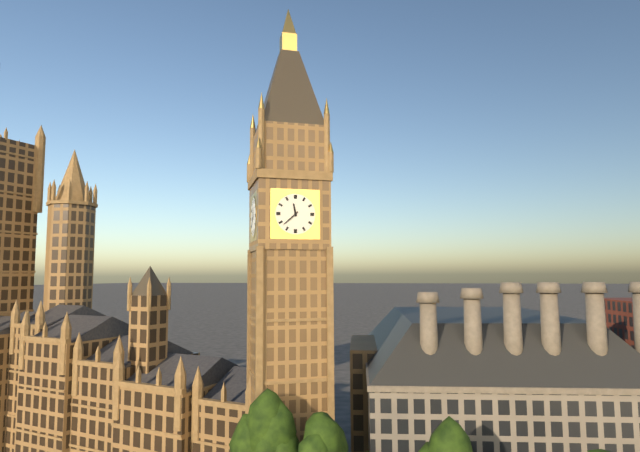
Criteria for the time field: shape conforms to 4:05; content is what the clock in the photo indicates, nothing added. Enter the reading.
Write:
11:38
